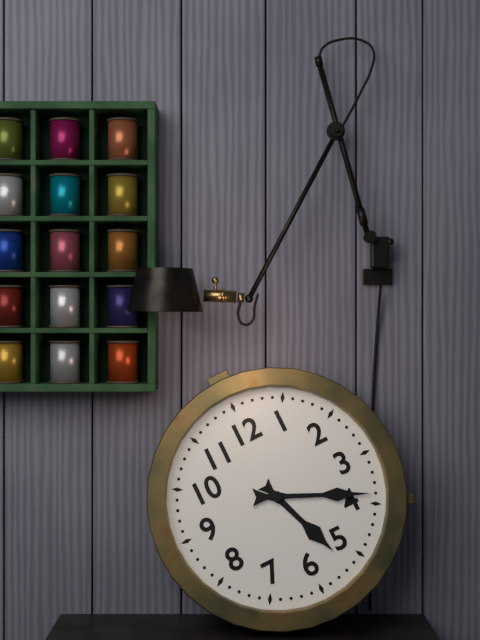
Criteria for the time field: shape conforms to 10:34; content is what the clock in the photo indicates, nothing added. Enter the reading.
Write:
5:19
